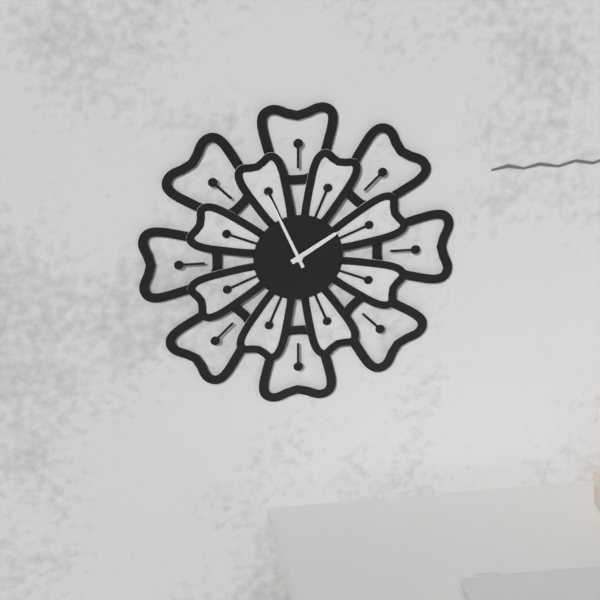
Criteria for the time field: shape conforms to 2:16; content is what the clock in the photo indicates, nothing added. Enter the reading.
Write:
1:56
